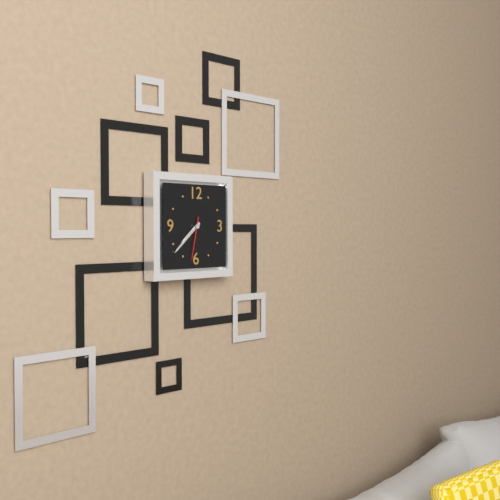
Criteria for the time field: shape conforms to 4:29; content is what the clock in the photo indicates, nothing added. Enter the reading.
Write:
7:38
